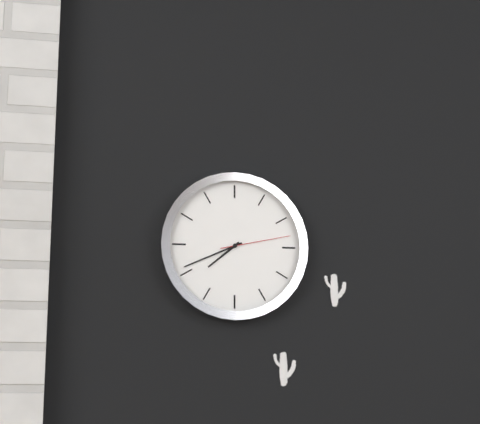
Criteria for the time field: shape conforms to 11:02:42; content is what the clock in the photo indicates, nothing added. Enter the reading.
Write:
7:41:13
